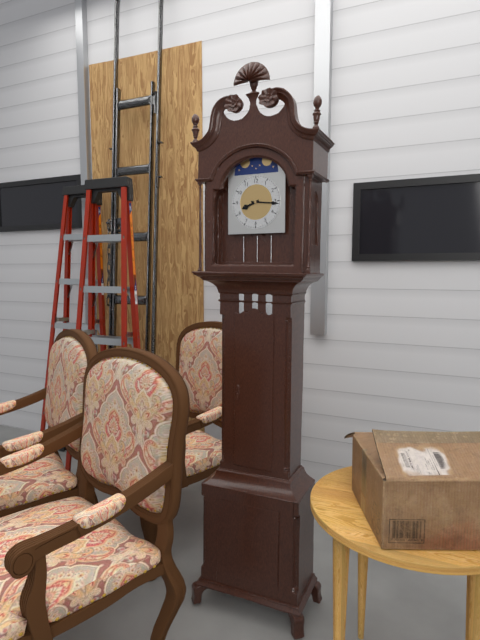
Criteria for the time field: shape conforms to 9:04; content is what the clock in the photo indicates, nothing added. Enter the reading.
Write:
8:16
